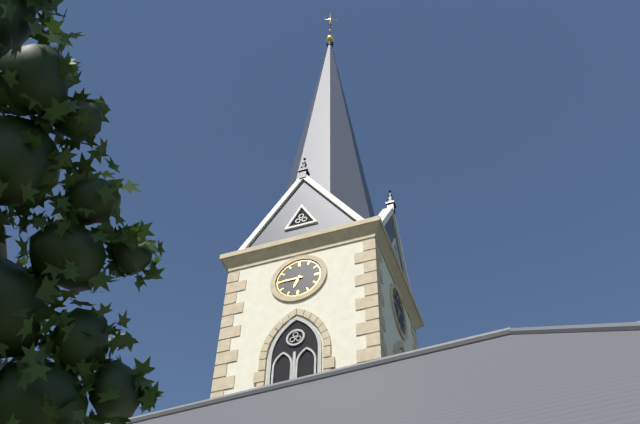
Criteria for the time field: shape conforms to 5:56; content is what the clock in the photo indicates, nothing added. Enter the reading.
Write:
6:45
